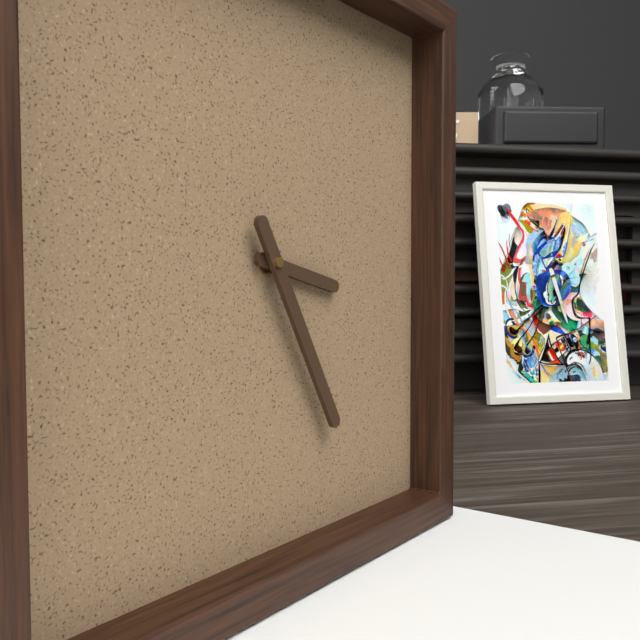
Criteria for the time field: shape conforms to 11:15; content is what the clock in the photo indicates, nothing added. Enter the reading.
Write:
3:25
